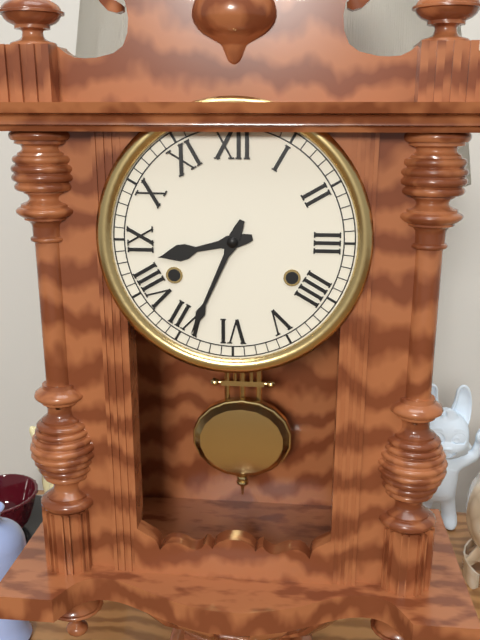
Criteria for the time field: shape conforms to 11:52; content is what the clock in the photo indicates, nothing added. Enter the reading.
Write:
8:34
